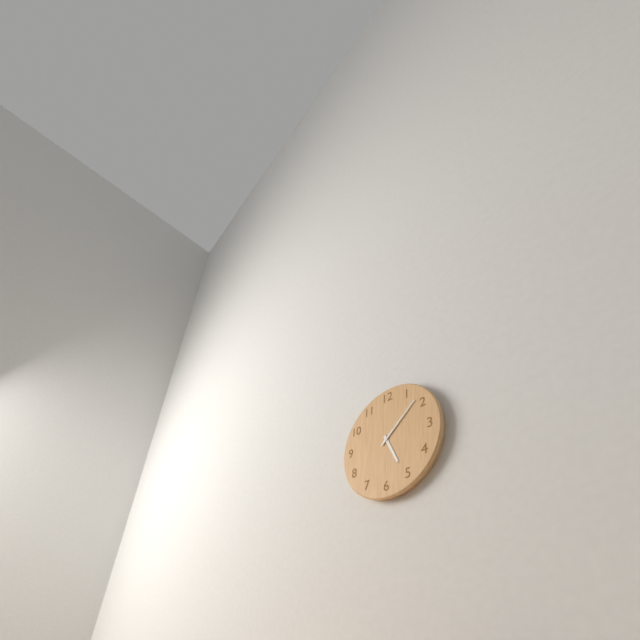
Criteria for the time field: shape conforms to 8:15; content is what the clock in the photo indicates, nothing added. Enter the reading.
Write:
5:08
